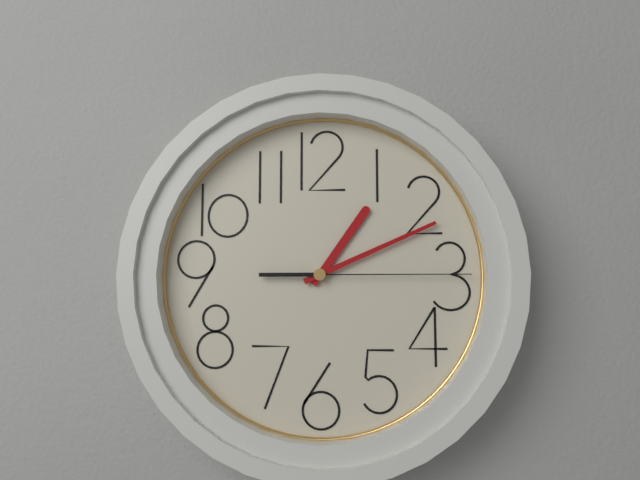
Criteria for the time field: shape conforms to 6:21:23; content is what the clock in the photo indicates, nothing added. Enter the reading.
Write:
1:11:15
